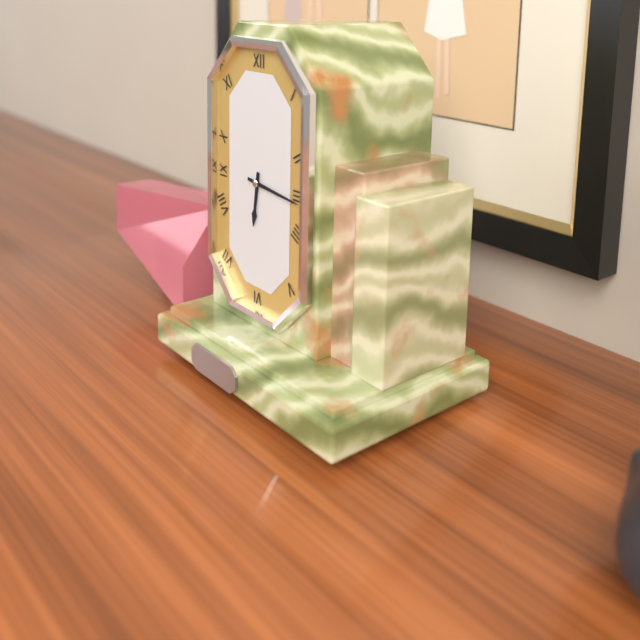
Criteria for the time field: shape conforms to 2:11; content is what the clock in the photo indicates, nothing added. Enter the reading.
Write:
6:16
